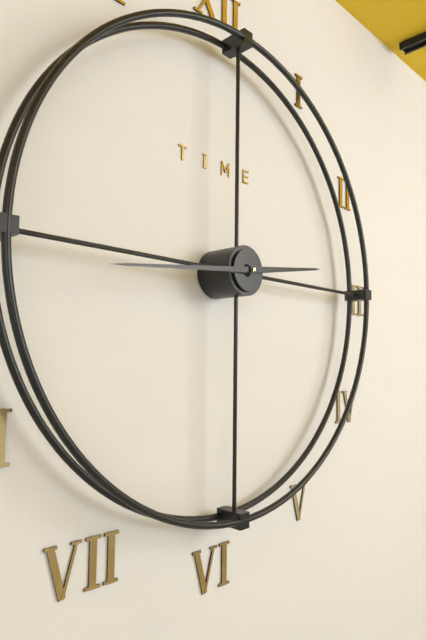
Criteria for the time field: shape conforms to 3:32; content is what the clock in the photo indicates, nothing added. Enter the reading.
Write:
2:44
